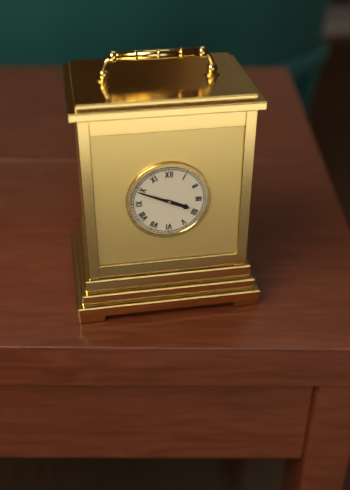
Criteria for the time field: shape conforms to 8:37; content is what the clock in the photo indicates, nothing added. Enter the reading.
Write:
3:49
